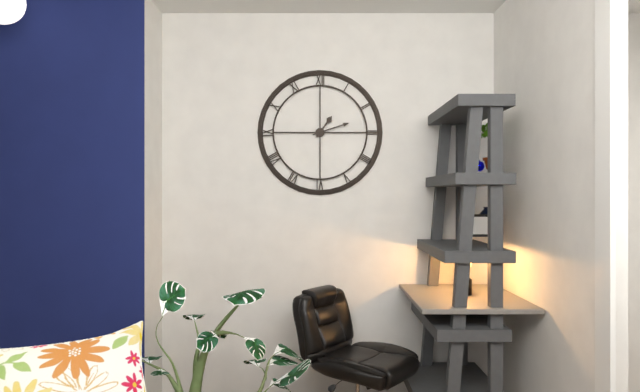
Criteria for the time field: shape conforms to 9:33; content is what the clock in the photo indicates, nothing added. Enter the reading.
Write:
1:12
